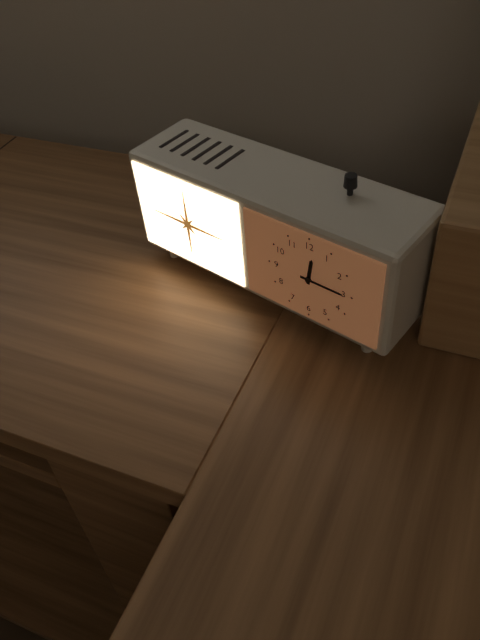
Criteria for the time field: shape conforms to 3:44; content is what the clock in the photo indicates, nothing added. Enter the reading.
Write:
12:15
